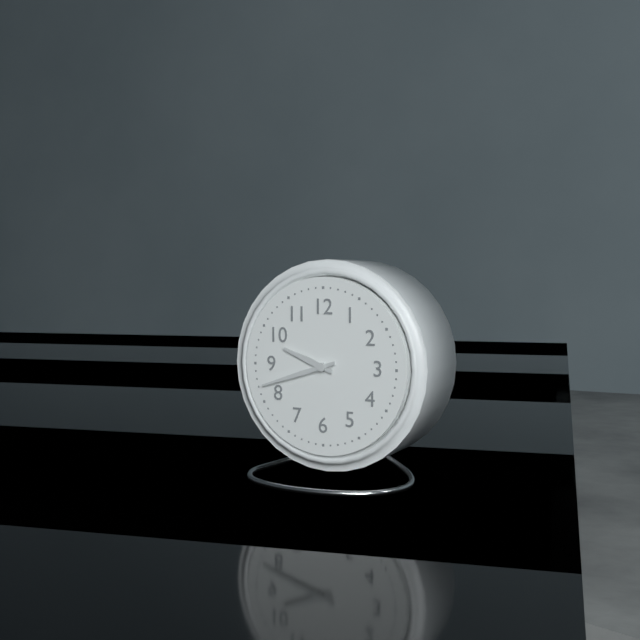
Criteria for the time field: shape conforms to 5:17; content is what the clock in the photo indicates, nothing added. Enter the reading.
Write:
9:42
